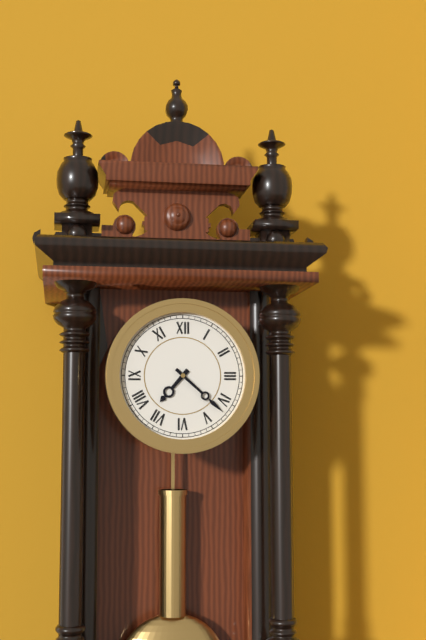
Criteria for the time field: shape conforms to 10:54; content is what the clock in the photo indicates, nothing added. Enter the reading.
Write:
7:22
